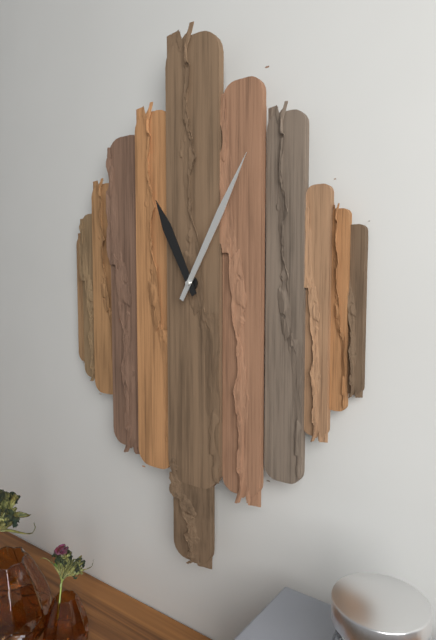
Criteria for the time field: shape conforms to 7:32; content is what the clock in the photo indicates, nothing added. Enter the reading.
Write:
11:05
